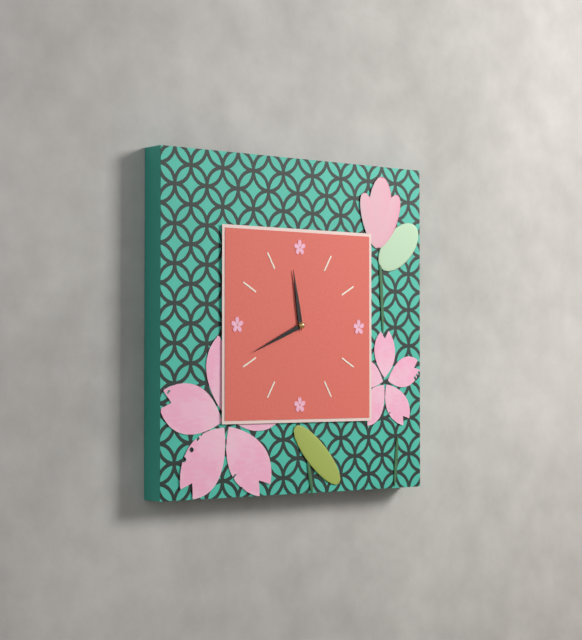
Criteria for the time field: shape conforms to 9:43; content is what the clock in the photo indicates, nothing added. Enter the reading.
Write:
11:41
